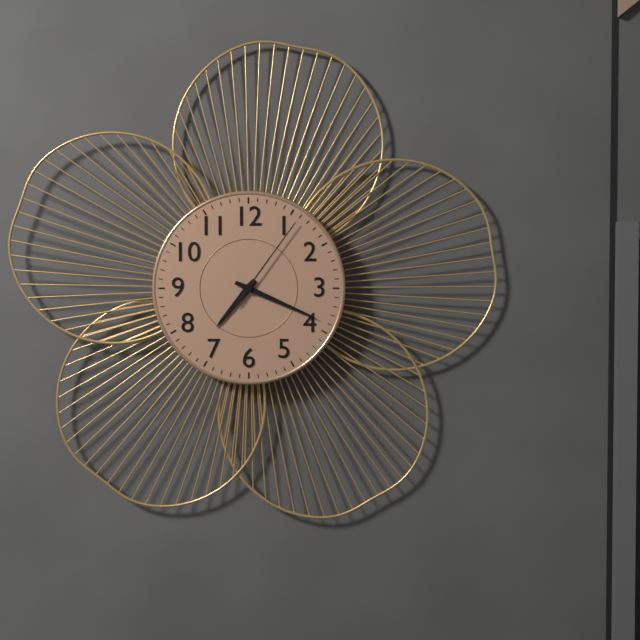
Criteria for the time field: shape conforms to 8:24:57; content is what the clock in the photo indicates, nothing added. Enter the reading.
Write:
7:19:06
